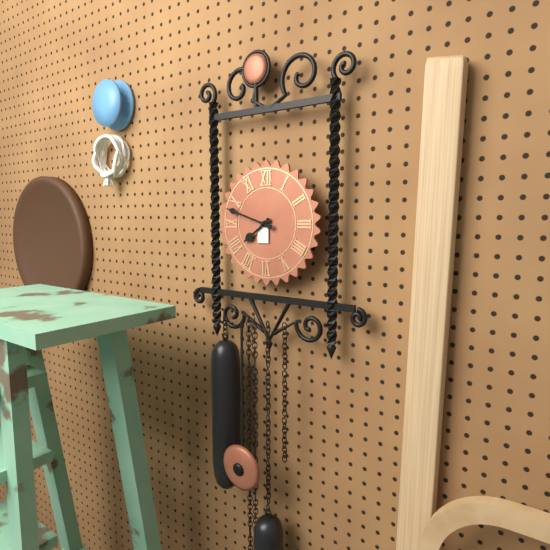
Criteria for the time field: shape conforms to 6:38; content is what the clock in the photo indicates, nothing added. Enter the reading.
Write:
7:48
